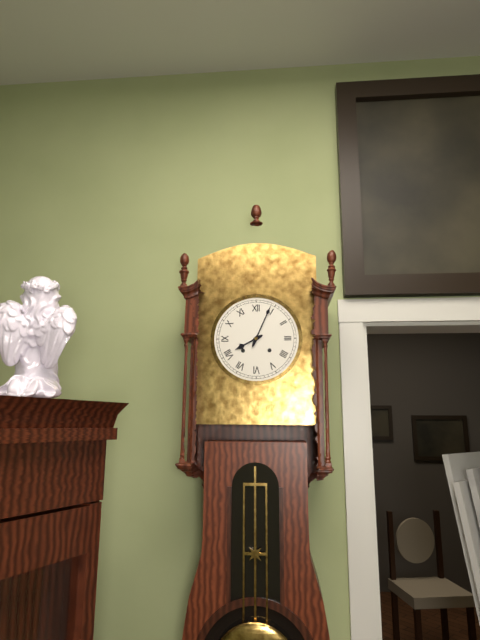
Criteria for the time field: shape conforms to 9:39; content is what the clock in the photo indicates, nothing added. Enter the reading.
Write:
8:04
